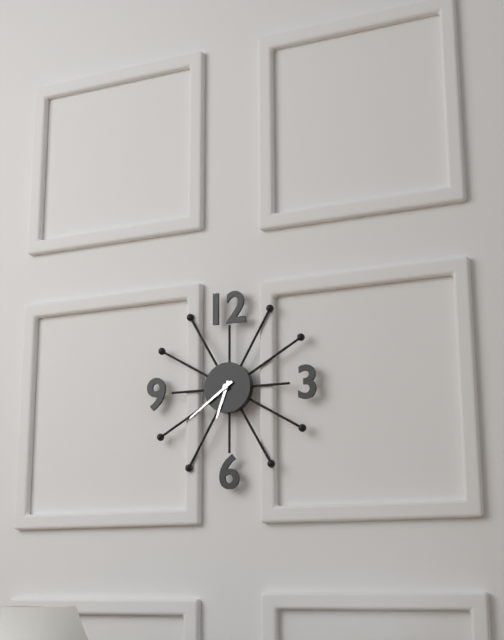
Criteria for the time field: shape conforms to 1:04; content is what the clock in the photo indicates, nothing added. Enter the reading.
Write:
6:39
